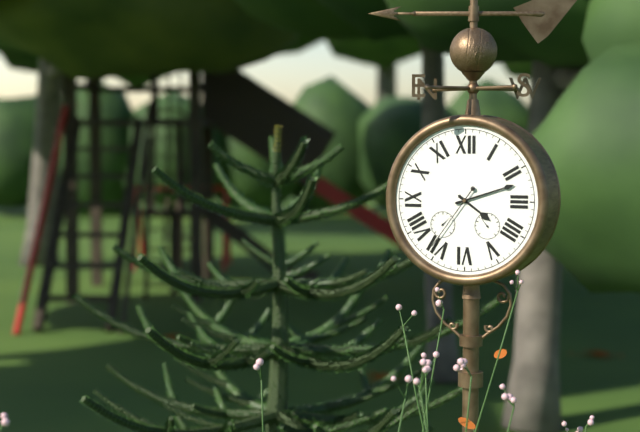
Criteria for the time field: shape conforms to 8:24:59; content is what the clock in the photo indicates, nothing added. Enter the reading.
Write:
4:12:36
